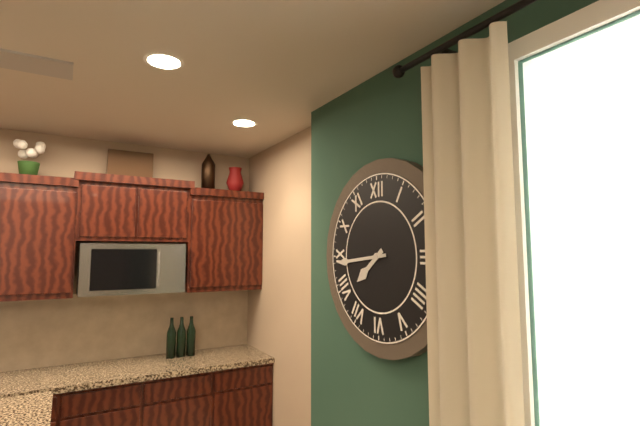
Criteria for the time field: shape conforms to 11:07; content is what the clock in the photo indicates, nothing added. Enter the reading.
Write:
7:44
